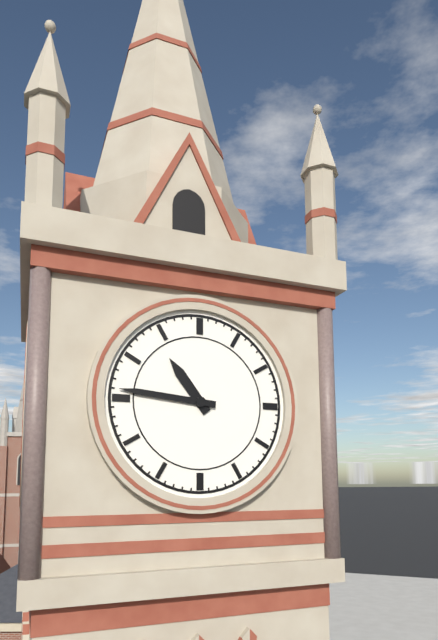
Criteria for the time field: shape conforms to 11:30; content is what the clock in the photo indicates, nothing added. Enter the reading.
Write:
10:46
